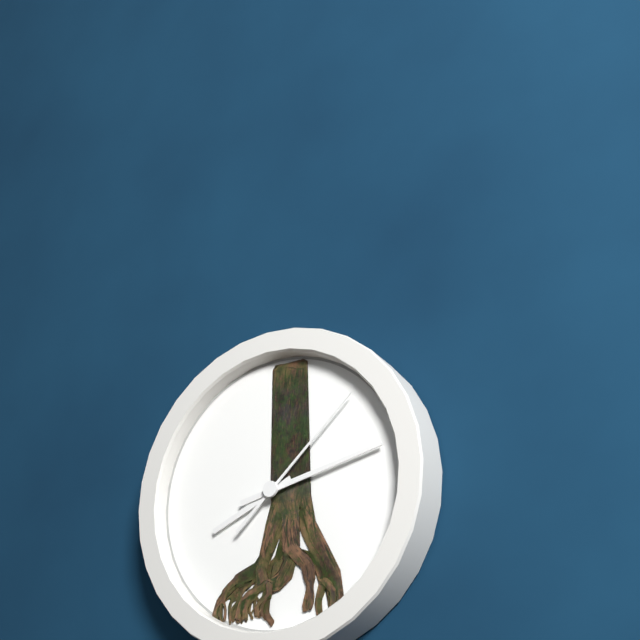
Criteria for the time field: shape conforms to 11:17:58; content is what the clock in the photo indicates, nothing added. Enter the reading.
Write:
8:13:08
